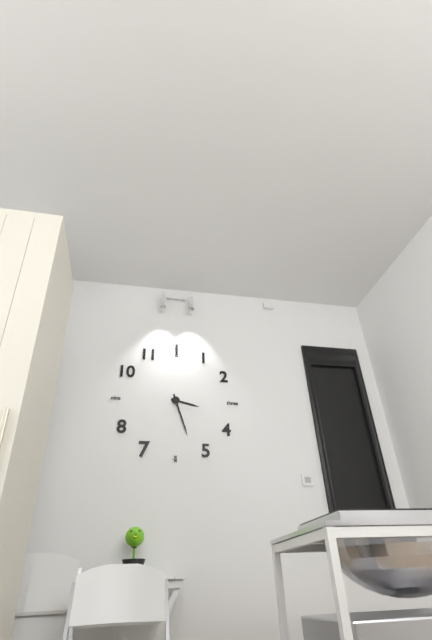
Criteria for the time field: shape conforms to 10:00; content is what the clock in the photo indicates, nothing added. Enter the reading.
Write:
3:27
